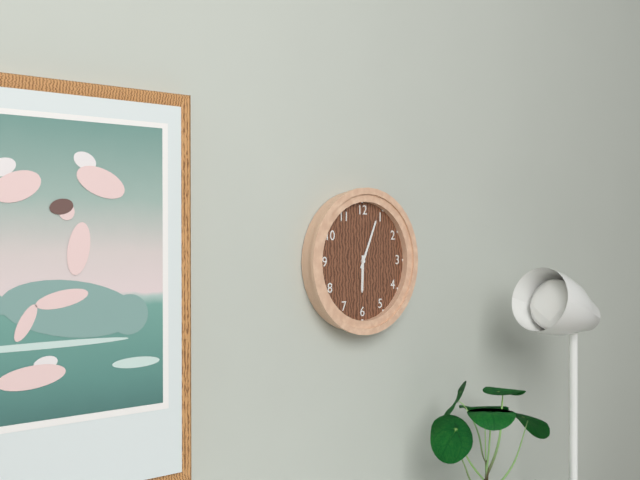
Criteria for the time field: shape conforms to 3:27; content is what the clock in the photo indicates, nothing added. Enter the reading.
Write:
6:04
